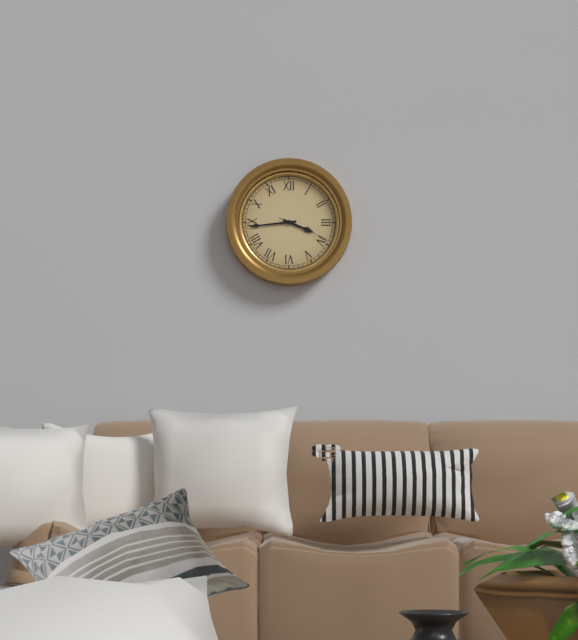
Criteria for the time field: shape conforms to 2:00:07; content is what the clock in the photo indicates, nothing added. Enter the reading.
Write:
3:44:19
